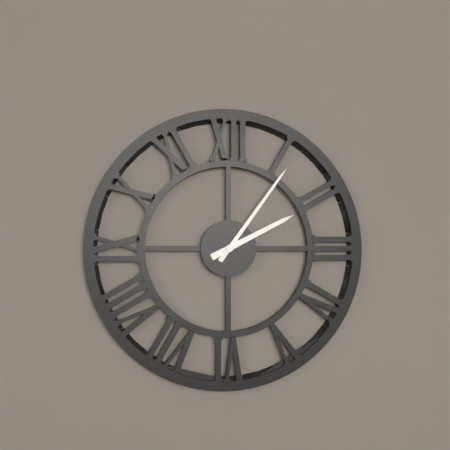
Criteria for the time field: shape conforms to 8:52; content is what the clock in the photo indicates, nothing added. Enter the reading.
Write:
2:06
